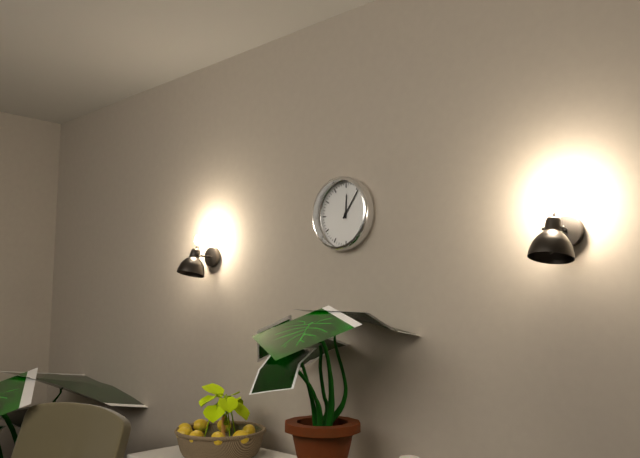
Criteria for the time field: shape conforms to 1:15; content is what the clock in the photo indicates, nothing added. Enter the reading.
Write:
12:06
